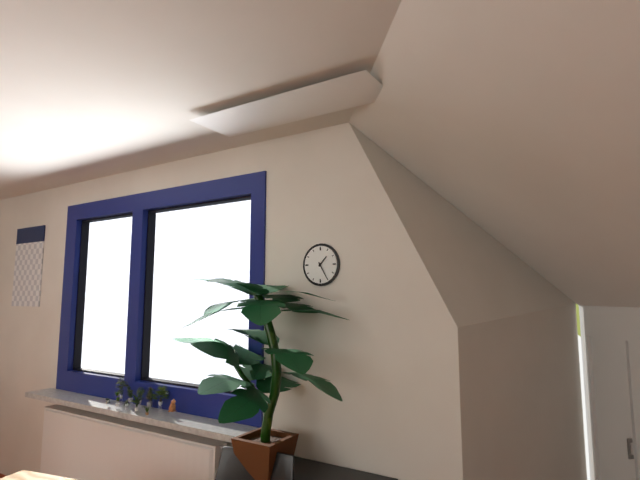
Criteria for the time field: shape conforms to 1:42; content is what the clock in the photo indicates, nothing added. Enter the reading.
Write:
1:25
